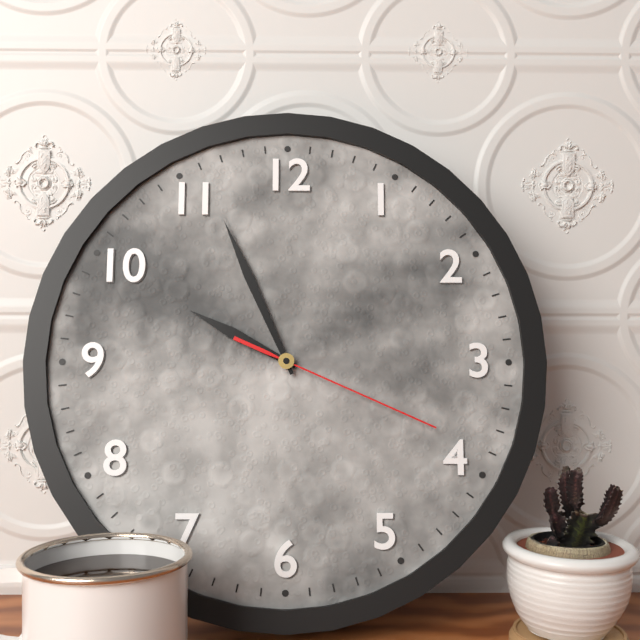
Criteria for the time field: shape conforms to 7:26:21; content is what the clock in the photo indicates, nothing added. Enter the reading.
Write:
9:56:19
